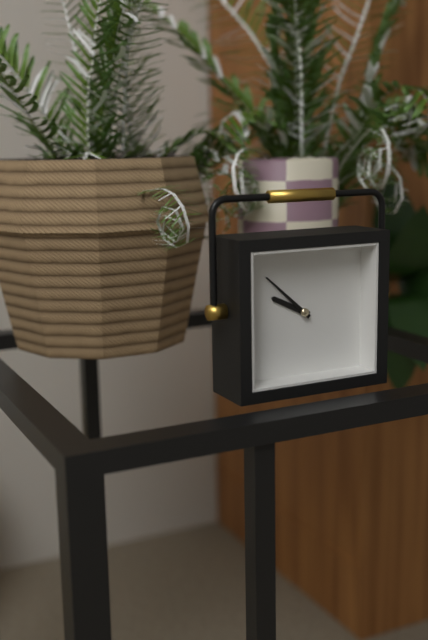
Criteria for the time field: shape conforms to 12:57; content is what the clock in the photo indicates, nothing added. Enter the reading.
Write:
9:52
